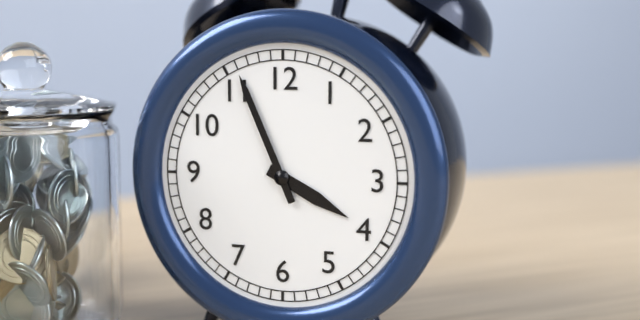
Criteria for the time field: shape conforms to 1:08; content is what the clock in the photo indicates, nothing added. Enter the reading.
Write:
3:56
